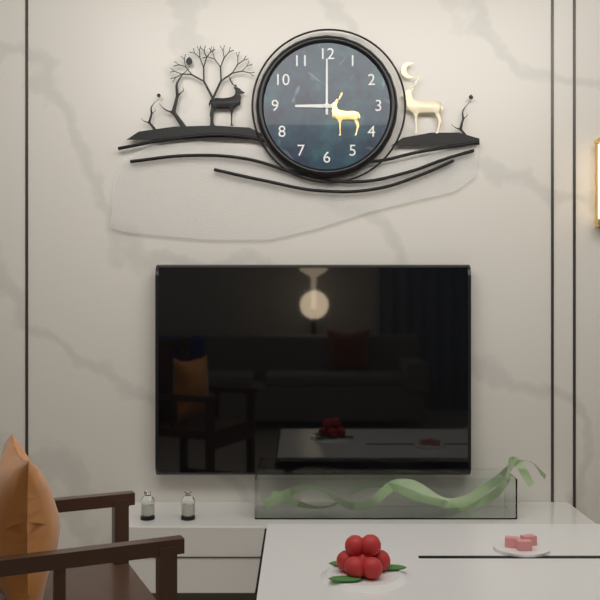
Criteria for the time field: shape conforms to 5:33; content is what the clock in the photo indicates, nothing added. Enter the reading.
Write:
9:00
